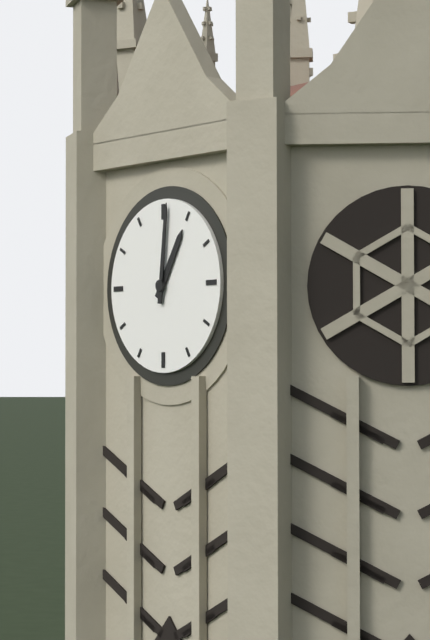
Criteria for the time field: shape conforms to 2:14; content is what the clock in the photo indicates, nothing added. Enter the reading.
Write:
1:01
